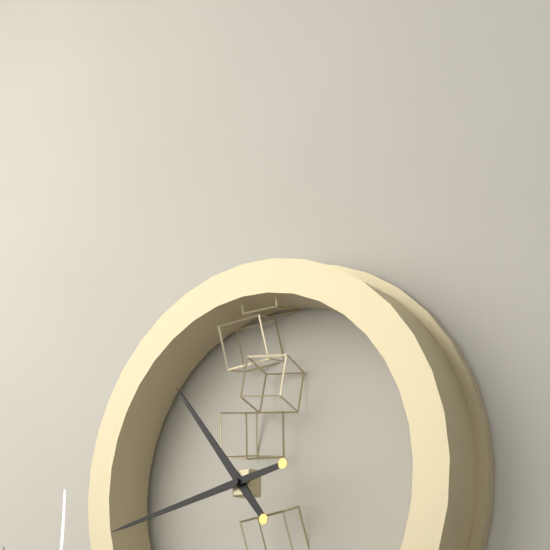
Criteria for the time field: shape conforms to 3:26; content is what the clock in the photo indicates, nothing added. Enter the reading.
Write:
10:43
